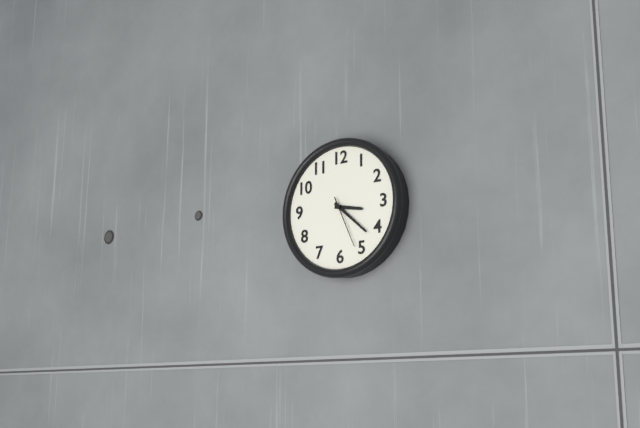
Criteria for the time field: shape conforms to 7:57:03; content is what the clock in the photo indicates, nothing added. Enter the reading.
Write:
3:22:26
